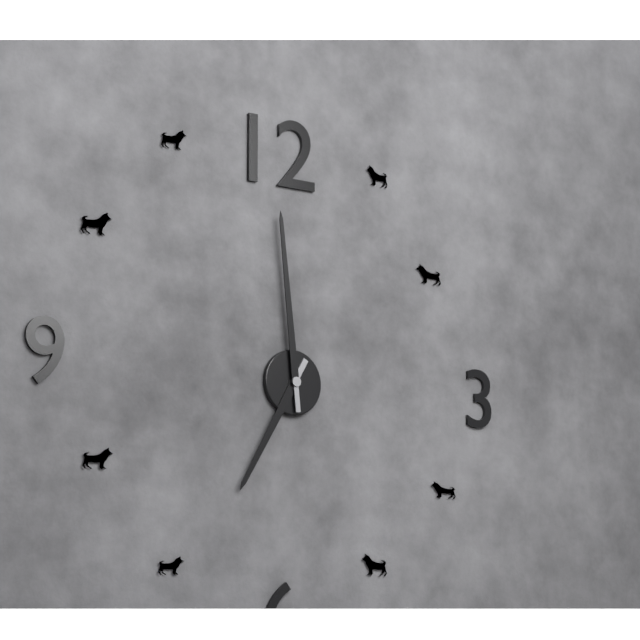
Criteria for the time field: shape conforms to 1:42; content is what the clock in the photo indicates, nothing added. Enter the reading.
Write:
6:59
